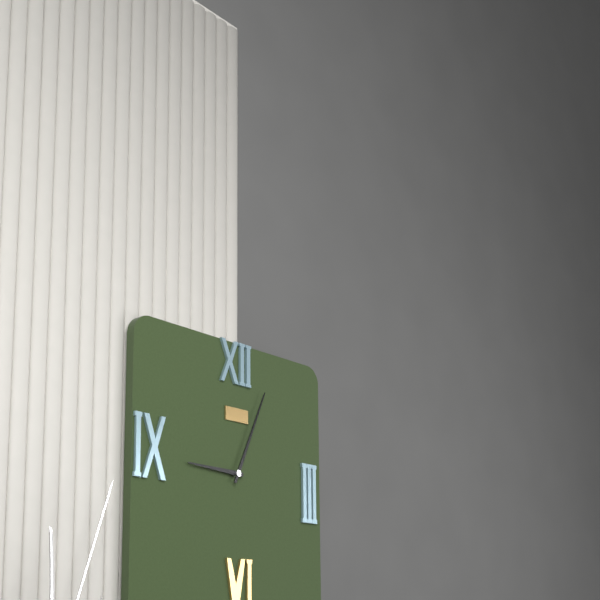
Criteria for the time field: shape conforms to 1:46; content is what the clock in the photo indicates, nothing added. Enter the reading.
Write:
9:04
